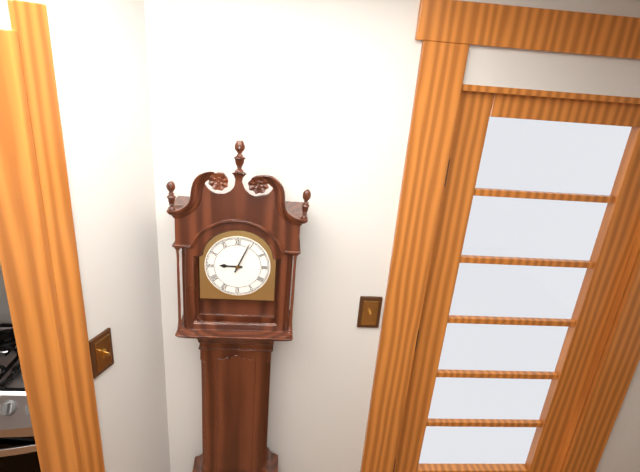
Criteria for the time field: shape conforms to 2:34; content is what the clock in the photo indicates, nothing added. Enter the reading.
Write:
9:04
